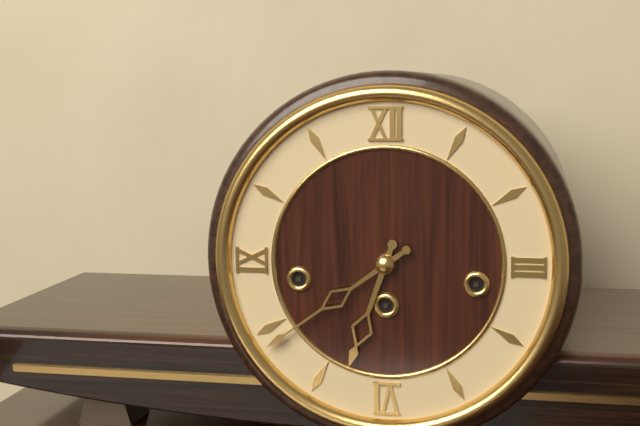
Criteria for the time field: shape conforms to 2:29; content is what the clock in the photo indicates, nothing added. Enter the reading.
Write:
6:39
